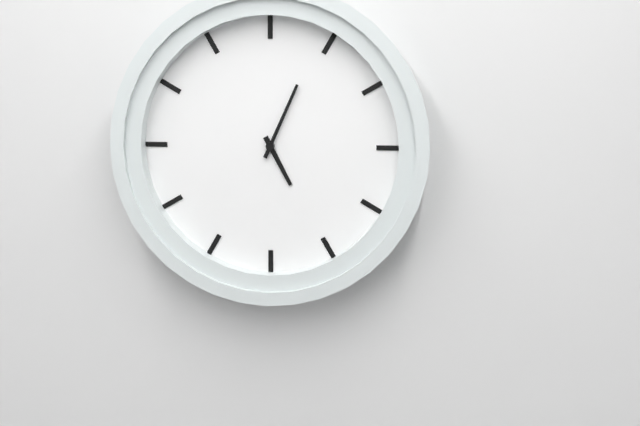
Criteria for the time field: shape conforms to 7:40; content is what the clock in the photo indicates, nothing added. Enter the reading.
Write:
5:04
